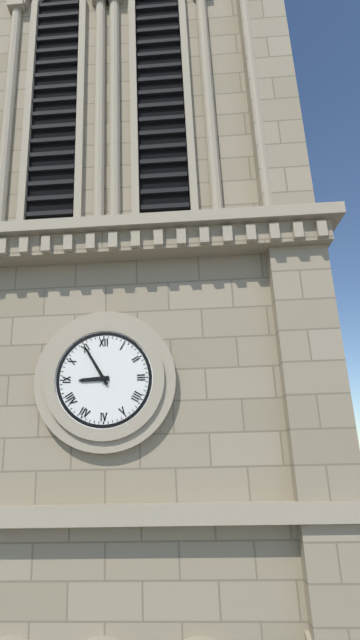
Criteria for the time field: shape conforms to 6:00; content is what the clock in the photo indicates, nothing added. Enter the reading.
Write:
8:55
